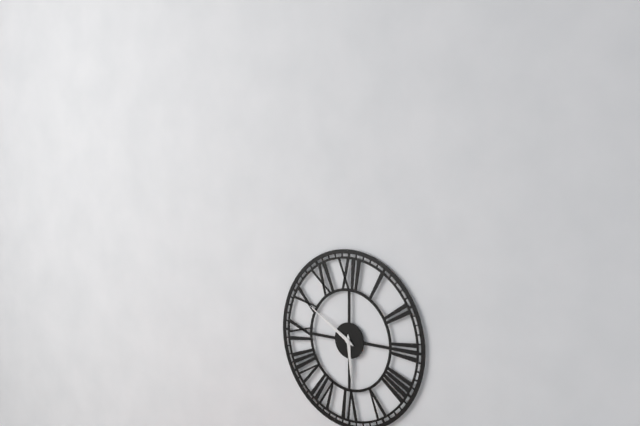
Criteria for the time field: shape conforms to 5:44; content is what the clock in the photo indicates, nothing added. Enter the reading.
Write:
5:50
